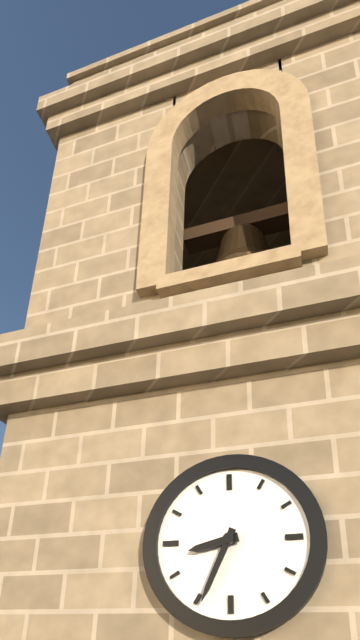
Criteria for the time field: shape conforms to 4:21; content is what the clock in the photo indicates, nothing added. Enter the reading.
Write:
8:34
